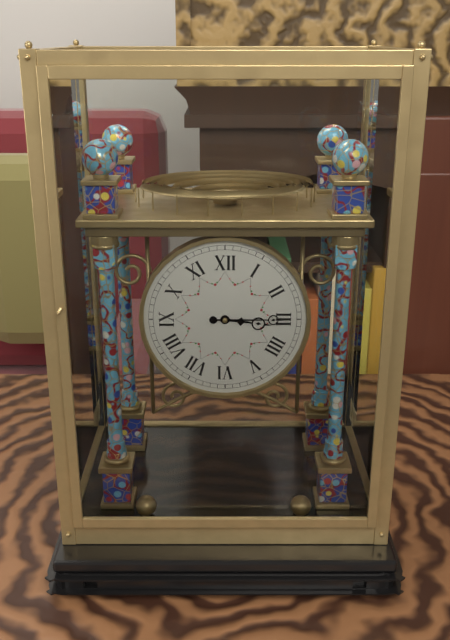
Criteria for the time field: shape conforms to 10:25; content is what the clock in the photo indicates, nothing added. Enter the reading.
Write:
3:15
